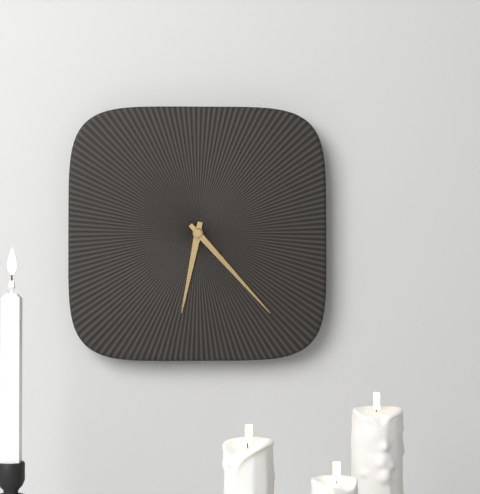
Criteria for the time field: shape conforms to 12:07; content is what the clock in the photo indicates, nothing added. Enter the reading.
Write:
6:23
